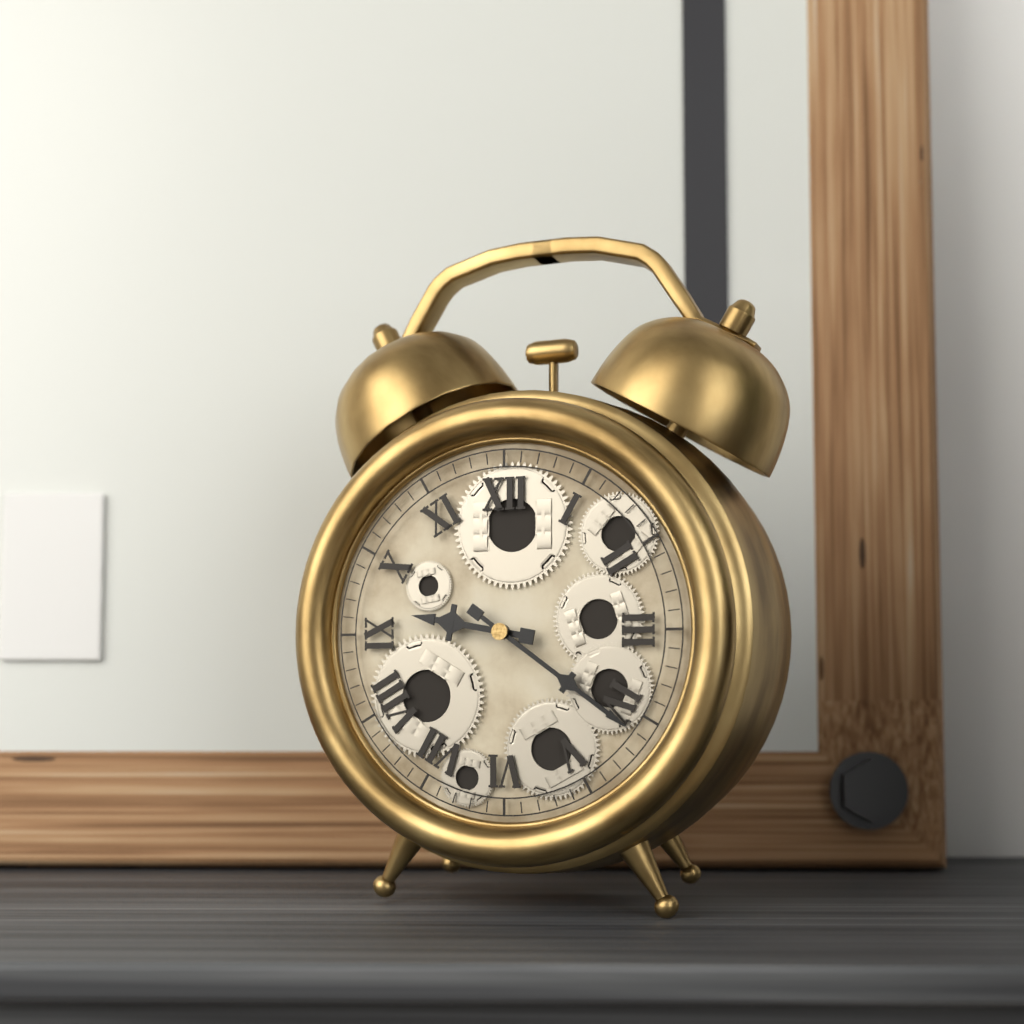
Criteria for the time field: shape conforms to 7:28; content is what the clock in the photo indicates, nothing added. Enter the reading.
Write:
9:21
